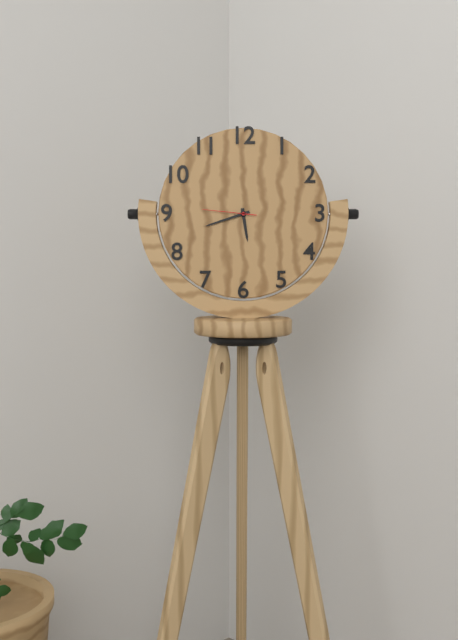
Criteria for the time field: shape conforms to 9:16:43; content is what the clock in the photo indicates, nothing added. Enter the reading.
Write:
5:42:46
